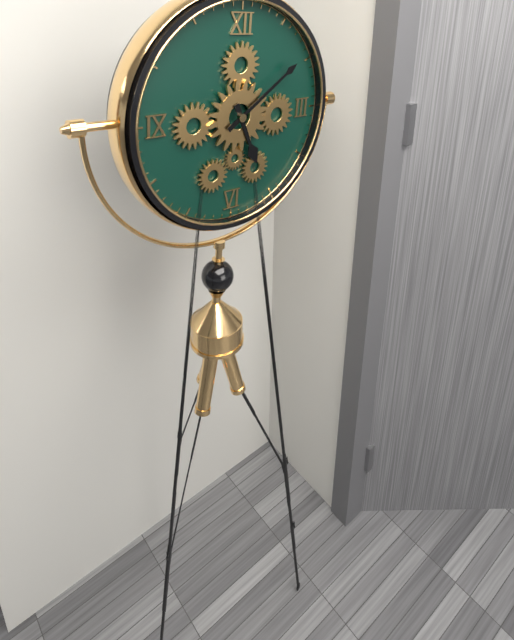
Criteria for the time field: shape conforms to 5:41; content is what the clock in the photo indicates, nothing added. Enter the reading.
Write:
5:09
